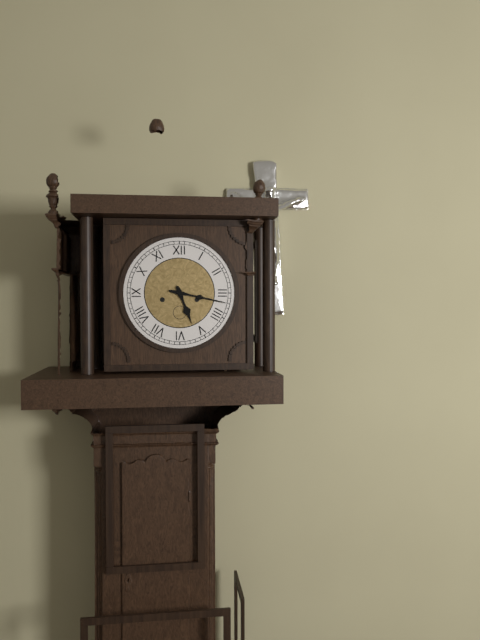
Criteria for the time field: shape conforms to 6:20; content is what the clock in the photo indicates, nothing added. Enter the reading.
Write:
5:17
